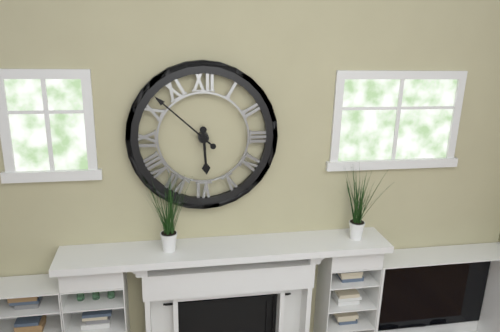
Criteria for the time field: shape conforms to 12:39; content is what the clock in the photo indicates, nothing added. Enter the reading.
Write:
5:52
